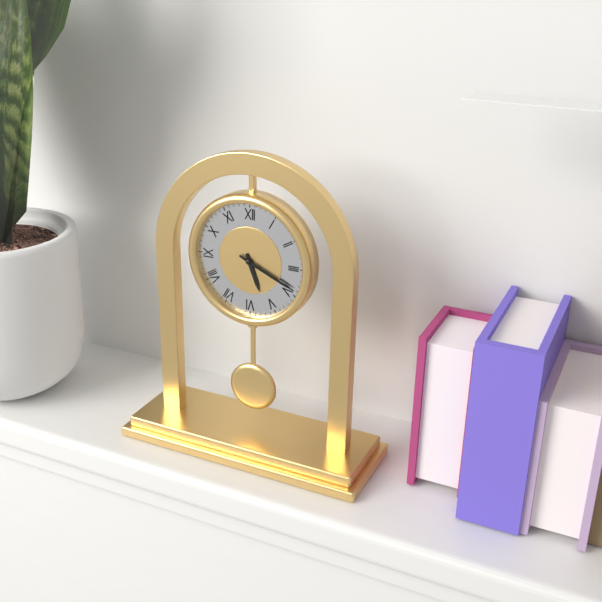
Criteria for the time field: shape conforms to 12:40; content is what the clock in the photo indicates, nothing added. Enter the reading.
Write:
5:19
